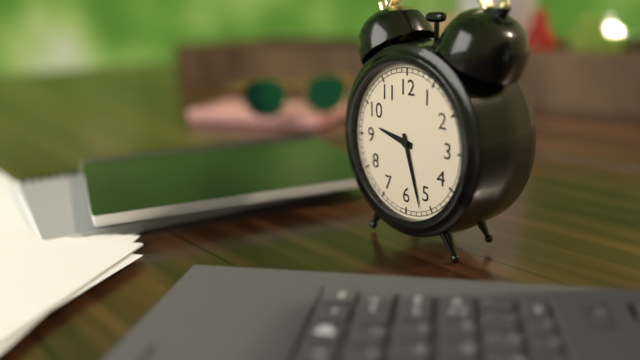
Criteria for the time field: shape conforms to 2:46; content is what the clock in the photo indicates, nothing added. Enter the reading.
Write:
9:27
